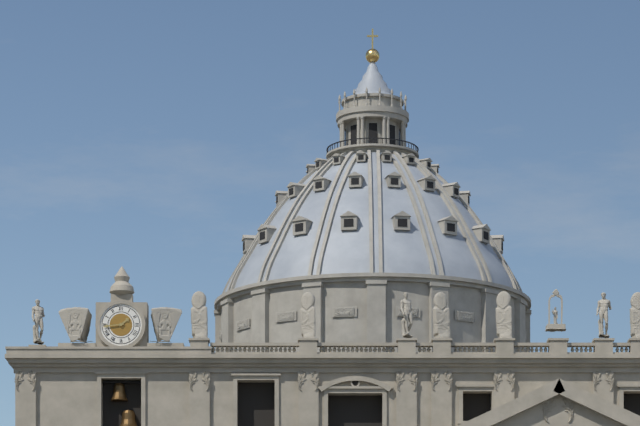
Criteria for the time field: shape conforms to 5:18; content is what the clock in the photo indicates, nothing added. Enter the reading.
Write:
1:44
